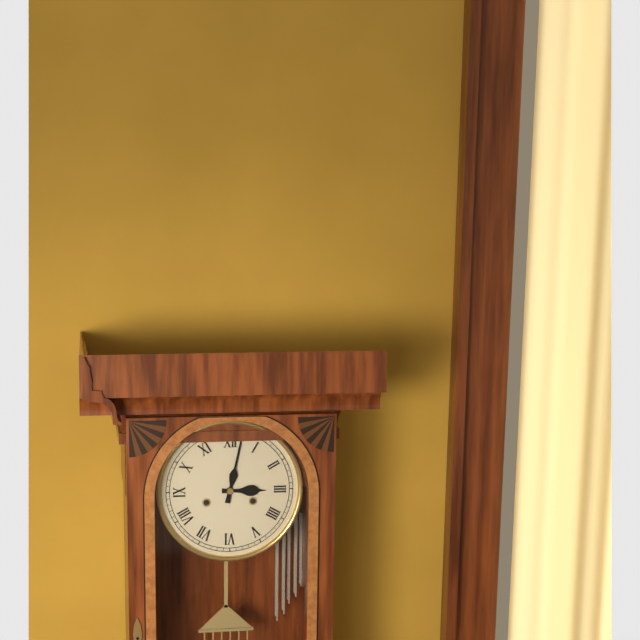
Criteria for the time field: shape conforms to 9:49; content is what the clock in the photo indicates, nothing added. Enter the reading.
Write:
3:02
